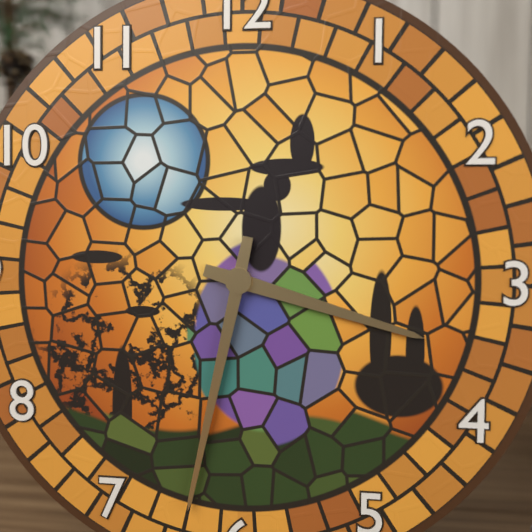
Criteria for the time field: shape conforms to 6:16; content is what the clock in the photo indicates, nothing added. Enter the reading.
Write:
3:32
